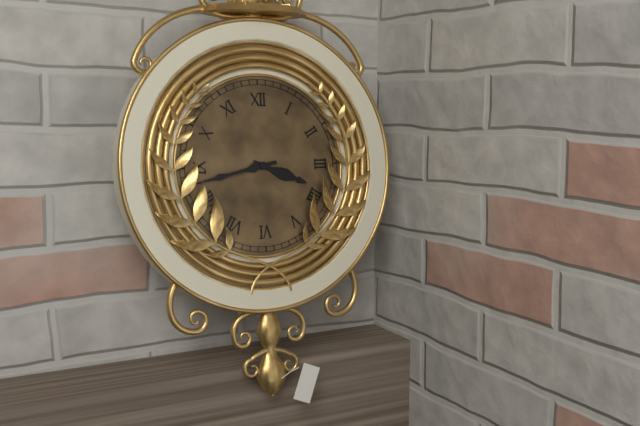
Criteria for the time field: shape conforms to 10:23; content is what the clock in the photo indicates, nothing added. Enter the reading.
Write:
3:43
